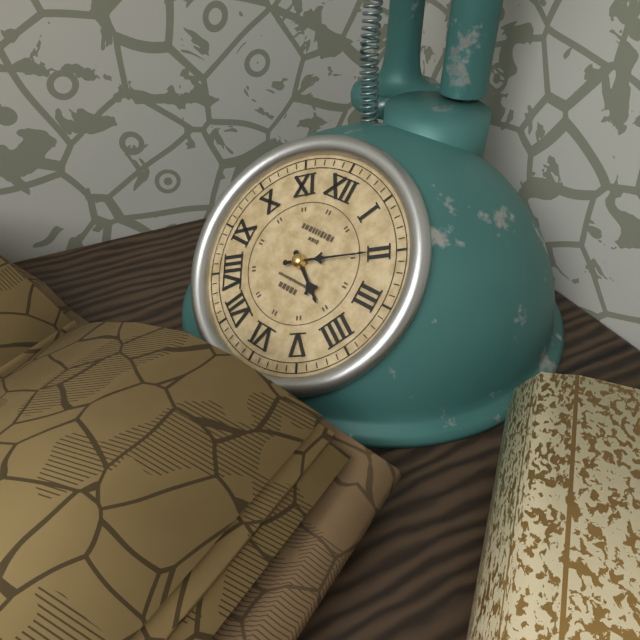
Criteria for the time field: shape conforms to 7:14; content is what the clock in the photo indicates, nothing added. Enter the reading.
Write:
4:10
